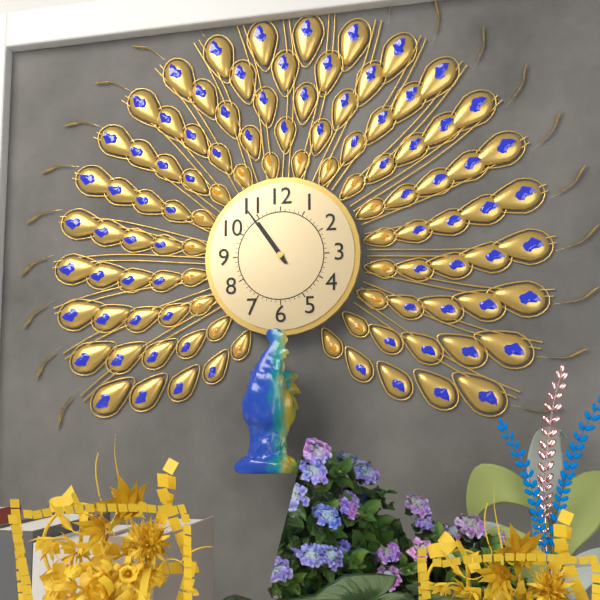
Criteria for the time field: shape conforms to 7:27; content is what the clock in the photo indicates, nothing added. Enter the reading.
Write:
10:54
